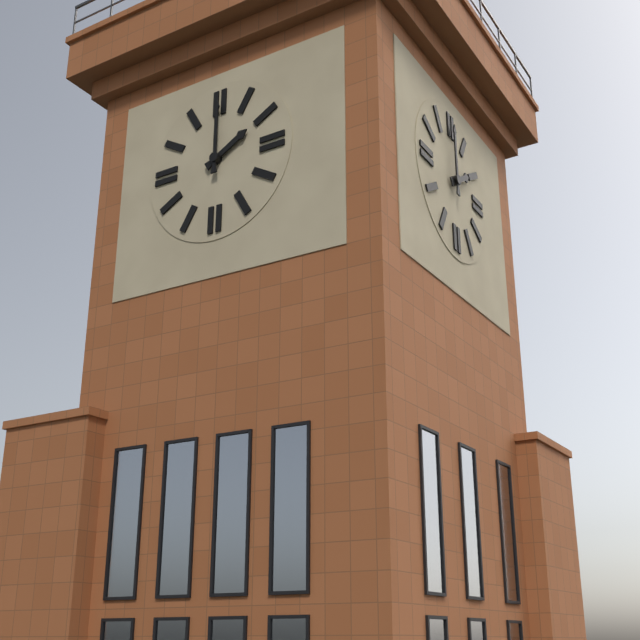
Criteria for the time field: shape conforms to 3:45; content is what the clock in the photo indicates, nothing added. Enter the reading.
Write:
2:00
